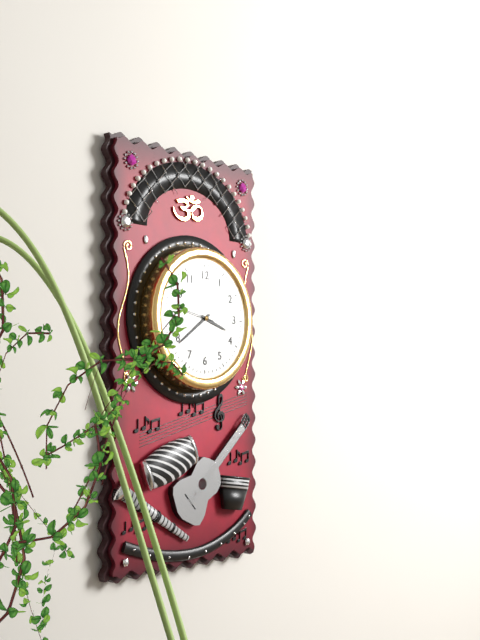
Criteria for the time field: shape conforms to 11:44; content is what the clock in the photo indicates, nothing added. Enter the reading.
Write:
3:39
